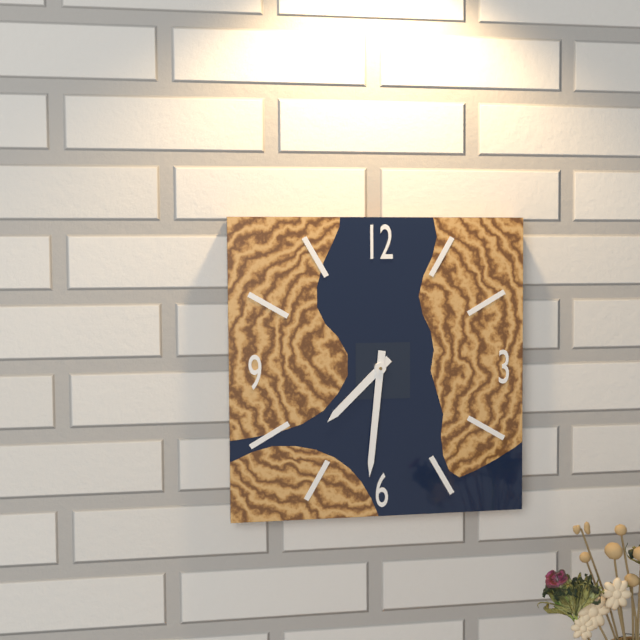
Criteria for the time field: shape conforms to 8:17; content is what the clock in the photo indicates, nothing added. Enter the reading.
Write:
7:31
